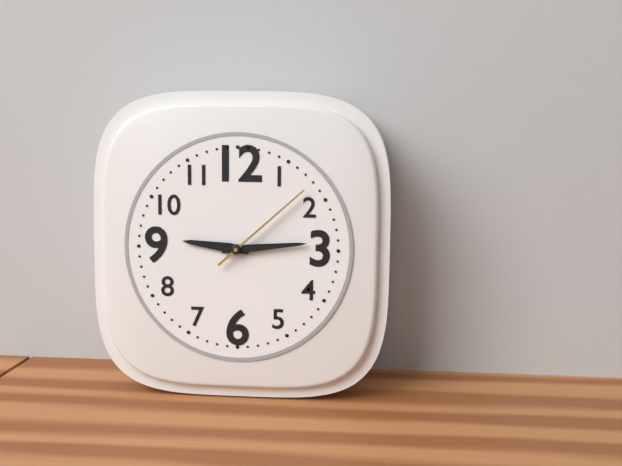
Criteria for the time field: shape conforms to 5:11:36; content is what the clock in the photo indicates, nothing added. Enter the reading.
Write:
9:14:08
